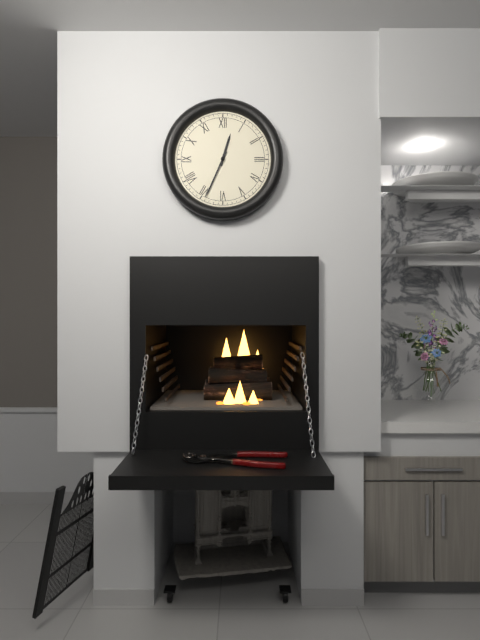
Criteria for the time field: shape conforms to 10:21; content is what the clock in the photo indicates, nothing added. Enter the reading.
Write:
12:34
